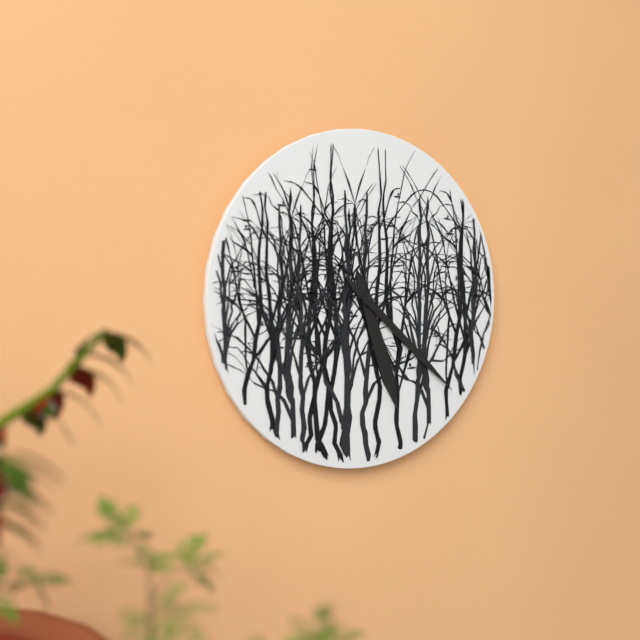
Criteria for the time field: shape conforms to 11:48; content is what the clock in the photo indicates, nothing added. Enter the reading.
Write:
5:22
